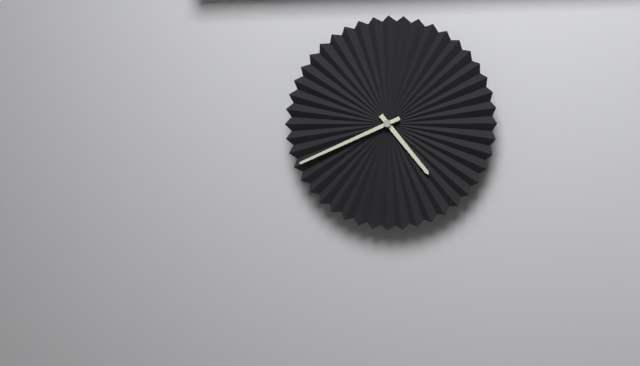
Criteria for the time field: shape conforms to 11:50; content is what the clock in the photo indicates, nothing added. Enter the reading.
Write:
4:41
